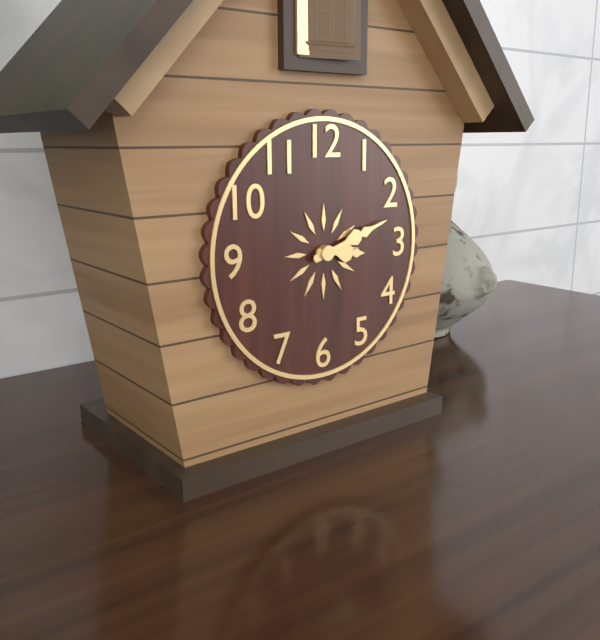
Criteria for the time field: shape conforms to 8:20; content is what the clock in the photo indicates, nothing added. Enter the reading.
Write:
3:12
